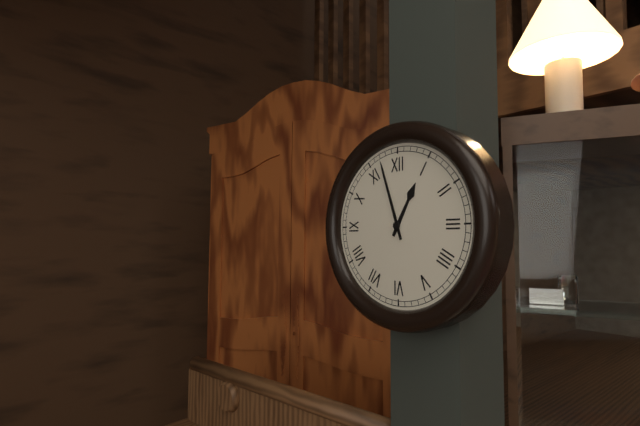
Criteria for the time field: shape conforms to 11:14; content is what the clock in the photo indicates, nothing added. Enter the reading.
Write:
12:57
